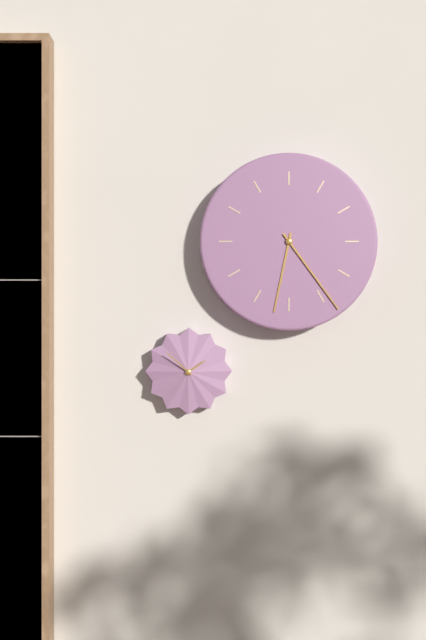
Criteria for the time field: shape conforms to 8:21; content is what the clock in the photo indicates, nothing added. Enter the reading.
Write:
6:24
